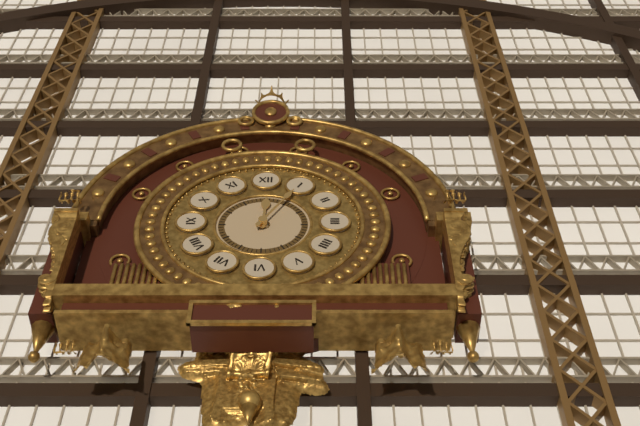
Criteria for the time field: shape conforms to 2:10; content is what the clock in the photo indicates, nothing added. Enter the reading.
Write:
12:05
